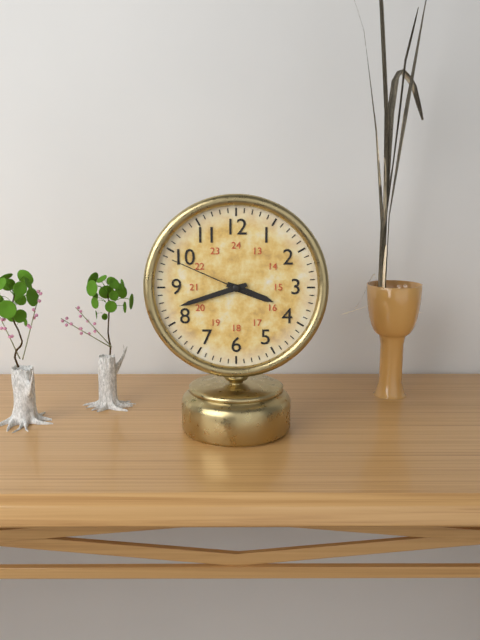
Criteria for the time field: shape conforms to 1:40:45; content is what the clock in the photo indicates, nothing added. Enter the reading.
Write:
3:42:49
